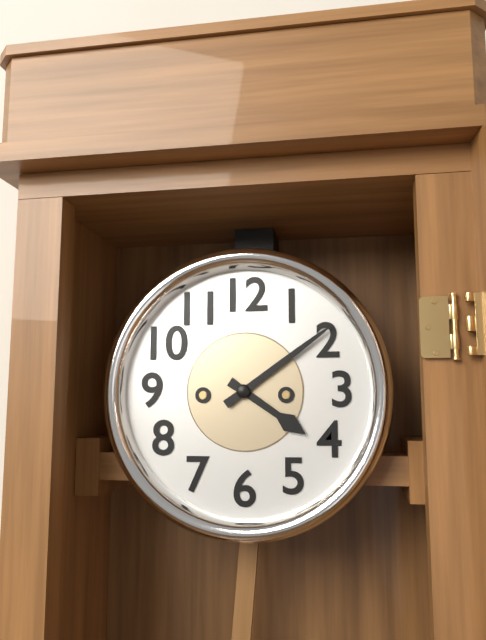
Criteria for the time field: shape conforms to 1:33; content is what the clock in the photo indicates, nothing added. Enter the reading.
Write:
4:09
